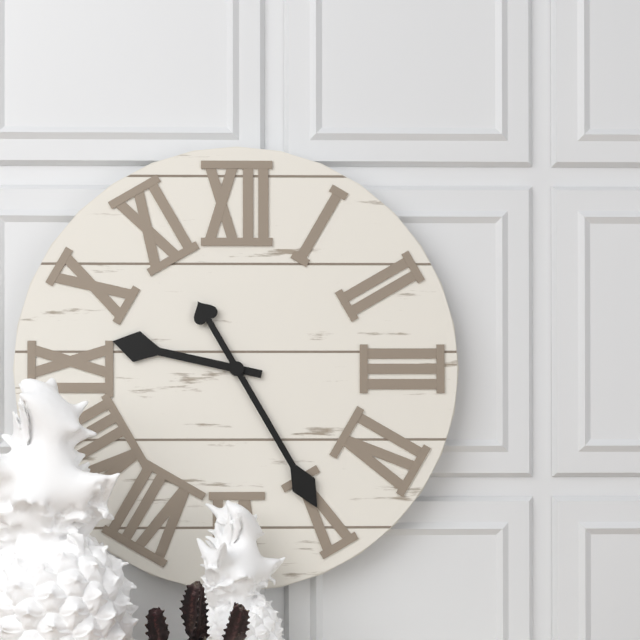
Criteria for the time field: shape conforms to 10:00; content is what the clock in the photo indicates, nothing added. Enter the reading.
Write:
9:25
